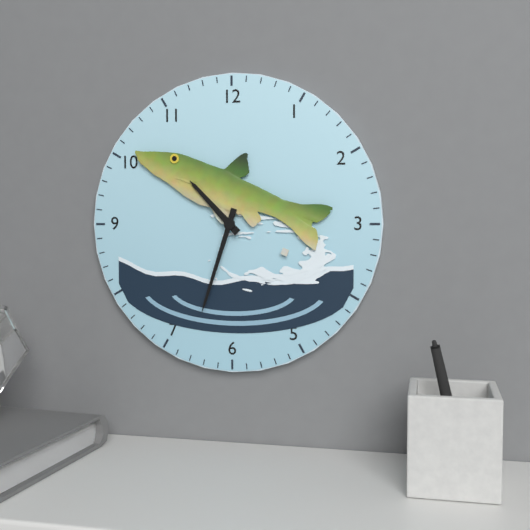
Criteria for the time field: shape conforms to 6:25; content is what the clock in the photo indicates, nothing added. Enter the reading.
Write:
10:33
